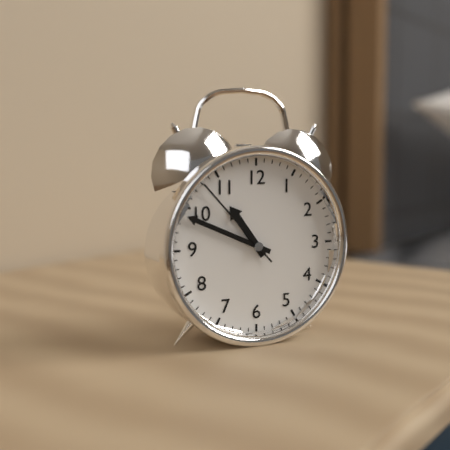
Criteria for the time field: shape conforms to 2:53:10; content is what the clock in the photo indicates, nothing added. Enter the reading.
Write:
10:49:53
